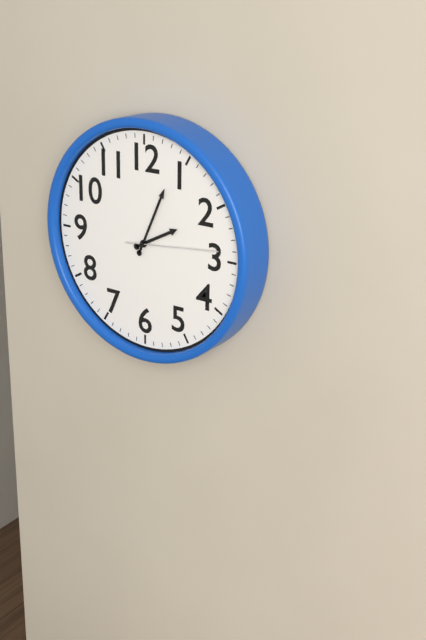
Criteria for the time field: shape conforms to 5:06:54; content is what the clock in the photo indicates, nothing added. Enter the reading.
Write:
2:04:14
